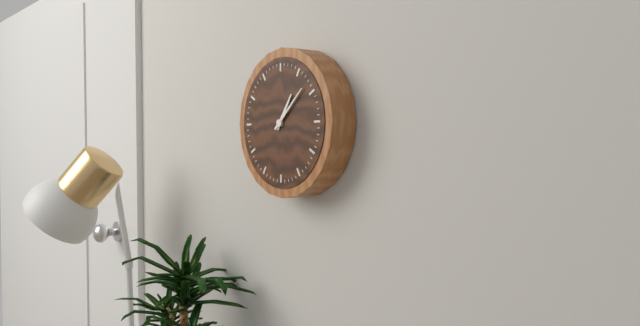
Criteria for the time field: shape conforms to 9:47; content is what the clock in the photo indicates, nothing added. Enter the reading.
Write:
1:08
